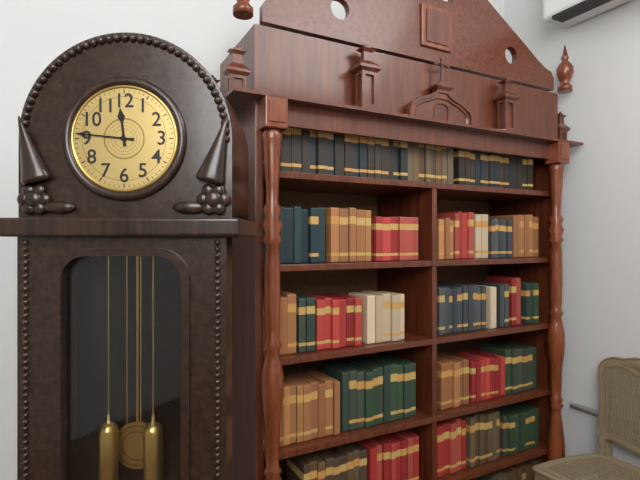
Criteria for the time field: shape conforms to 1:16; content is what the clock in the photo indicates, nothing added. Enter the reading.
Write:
11:46
